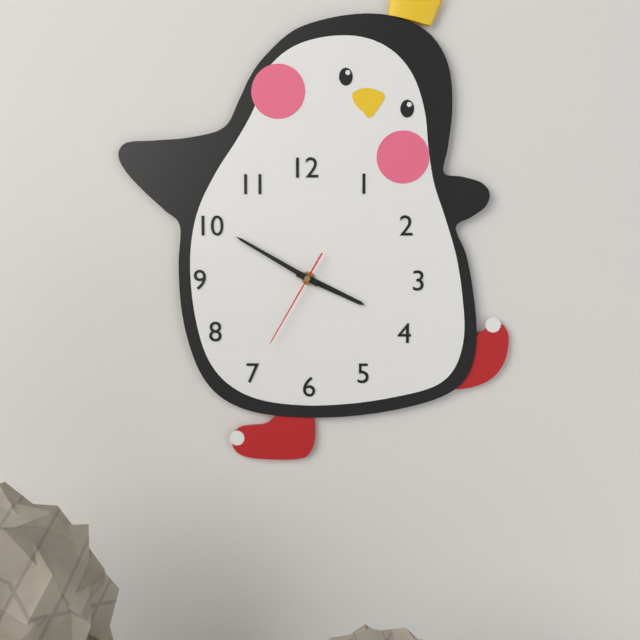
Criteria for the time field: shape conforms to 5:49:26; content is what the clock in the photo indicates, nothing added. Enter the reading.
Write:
3:50:35
